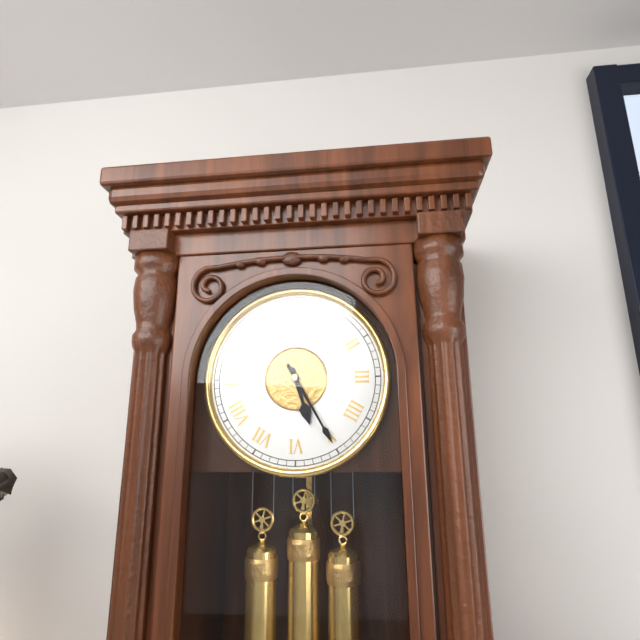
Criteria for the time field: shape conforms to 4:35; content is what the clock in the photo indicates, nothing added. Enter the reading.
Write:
5:25
